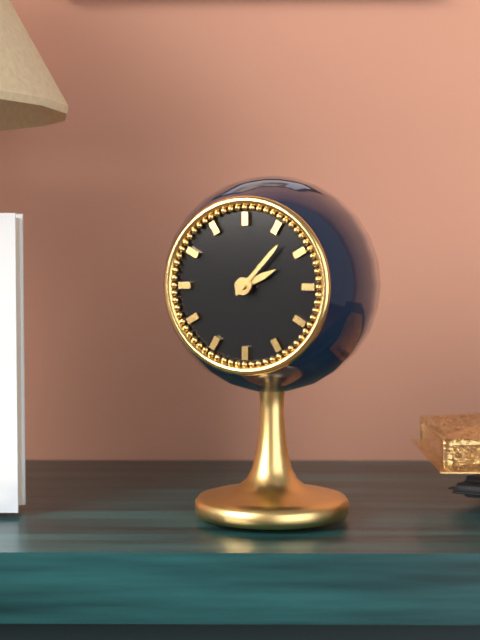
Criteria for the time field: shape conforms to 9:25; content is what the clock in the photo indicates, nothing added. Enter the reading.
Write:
2:07
